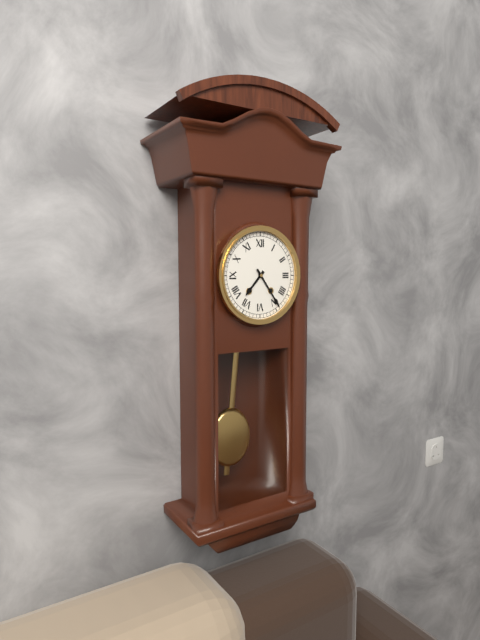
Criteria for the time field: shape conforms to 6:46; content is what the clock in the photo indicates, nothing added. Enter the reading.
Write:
7:24
